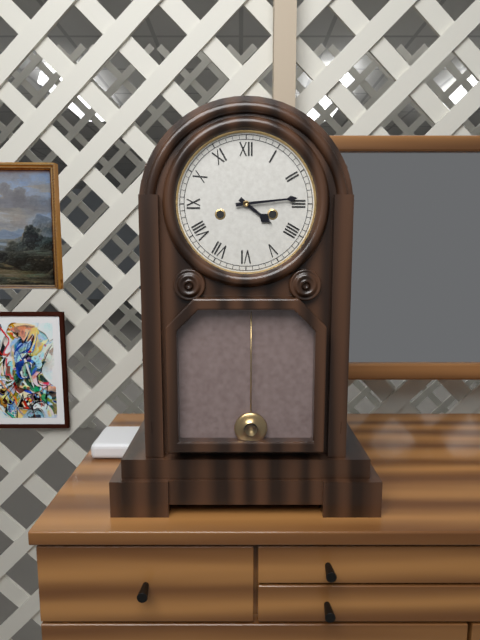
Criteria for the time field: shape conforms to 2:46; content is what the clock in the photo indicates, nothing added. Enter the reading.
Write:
4:14
